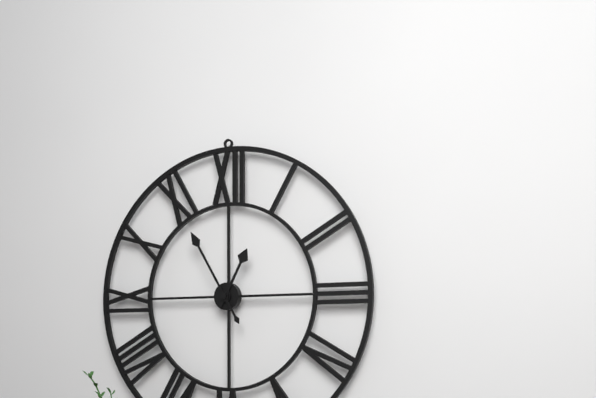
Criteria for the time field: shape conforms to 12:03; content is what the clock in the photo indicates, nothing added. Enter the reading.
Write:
12:55
